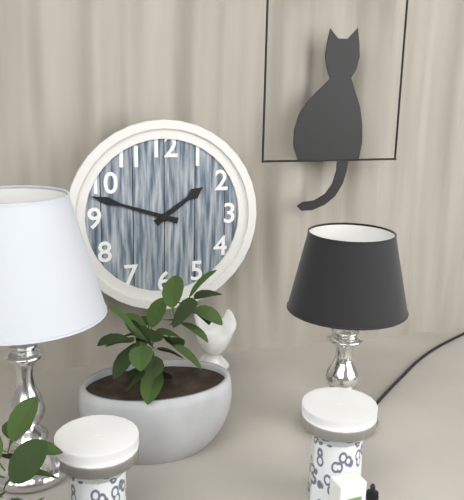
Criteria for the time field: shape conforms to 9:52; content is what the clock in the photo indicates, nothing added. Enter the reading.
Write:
1:48
